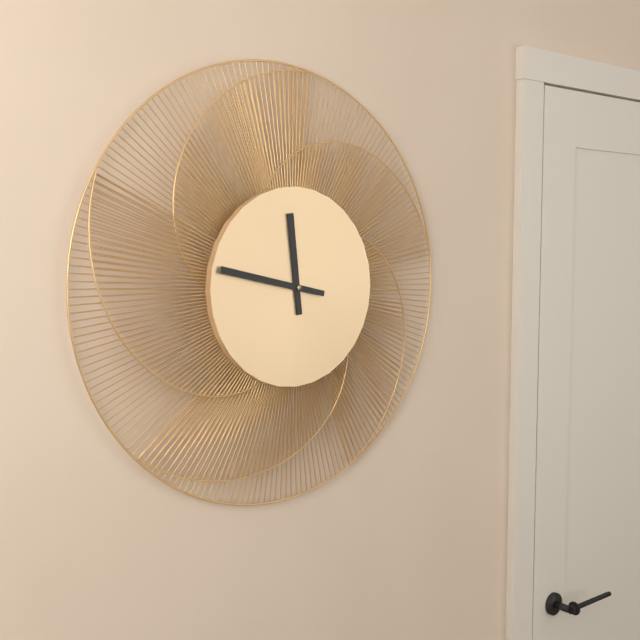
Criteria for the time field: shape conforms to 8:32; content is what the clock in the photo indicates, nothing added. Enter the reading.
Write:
11:47
